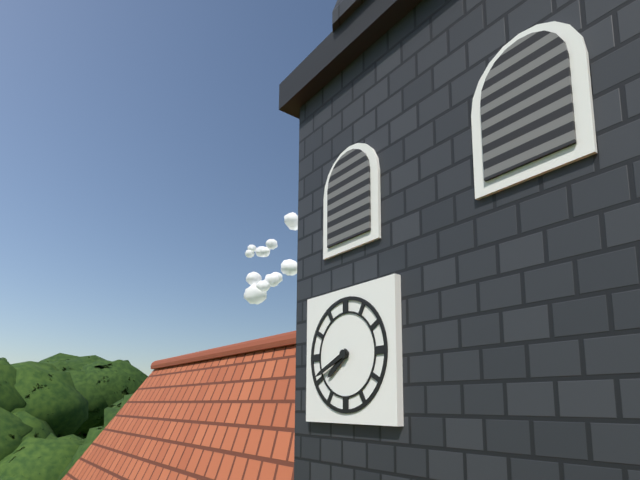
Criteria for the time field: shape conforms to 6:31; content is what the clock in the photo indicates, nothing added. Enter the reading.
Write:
7:41
